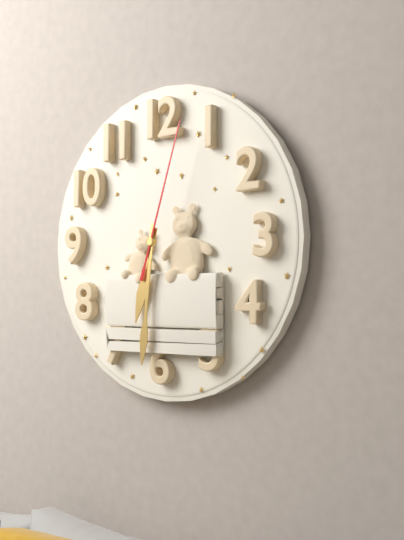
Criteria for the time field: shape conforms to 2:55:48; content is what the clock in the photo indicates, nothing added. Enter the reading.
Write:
6:31:03
